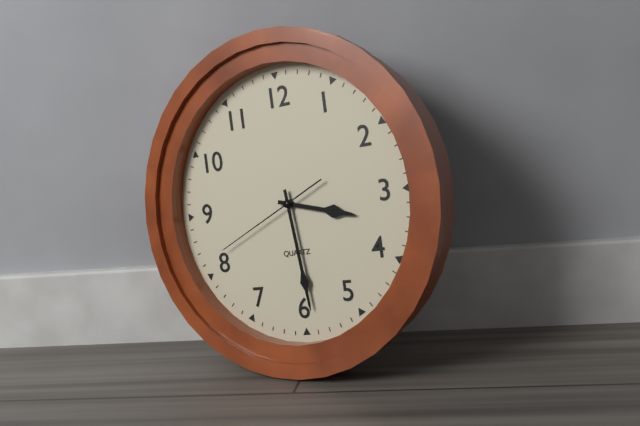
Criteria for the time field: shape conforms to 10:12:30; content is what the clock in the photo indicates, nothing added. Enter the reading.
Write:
3:29:41
